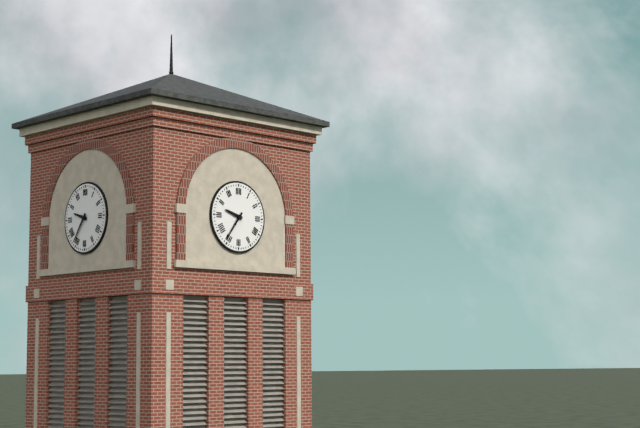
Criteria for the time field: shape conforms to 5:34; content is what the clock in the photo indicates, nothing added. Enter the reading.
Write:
9:36
